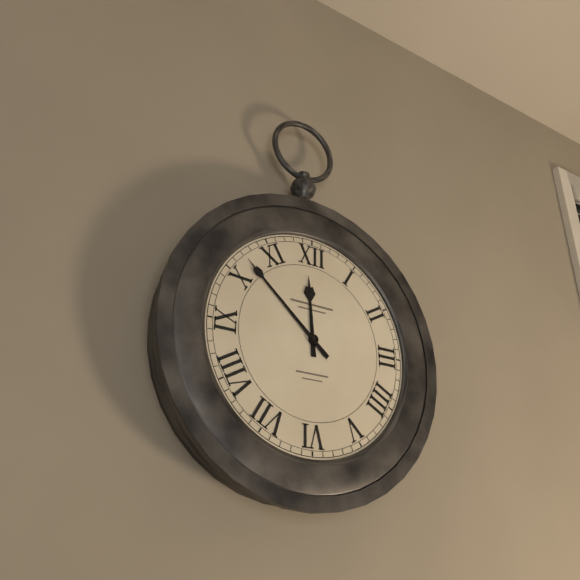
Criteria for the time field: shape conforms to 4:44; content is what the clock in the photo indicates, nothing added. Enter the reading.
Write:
11:52
